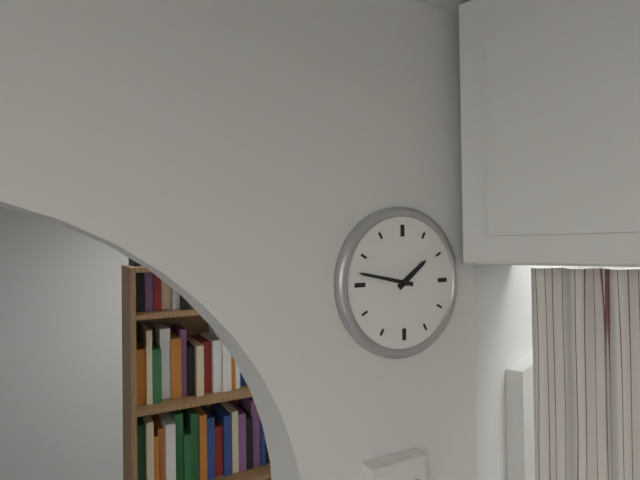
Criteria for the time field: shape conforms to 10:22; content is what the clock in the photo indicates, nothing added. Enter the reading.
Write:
1:47
